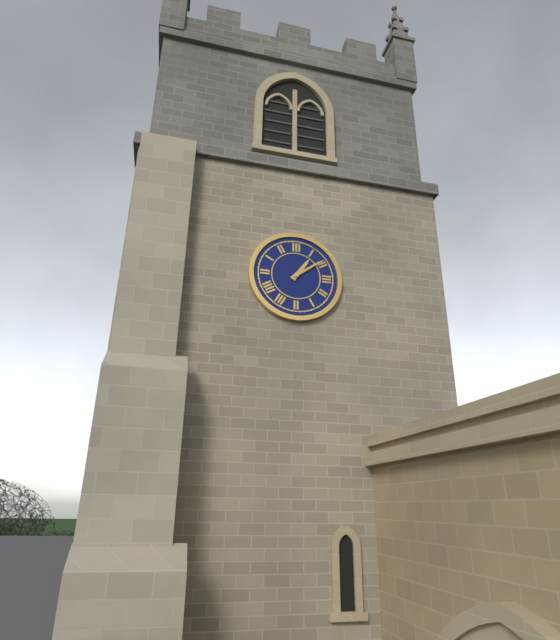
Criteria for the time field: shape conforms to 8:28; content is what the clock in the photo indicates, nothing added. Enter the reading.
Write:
1:09
